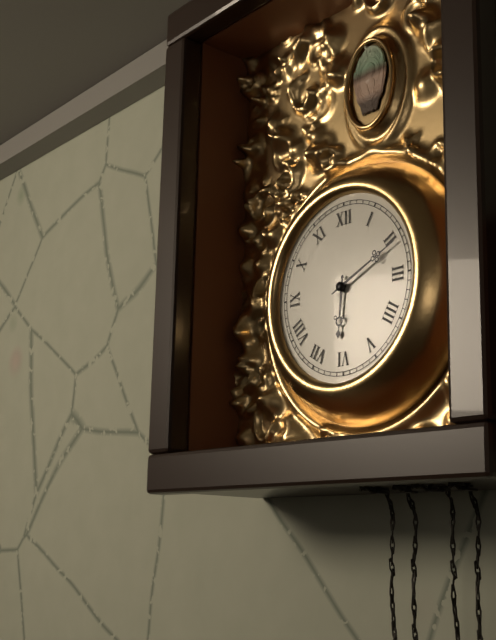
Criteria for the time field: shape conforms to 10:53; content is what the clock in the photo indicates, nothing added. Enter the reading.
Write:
6:11
